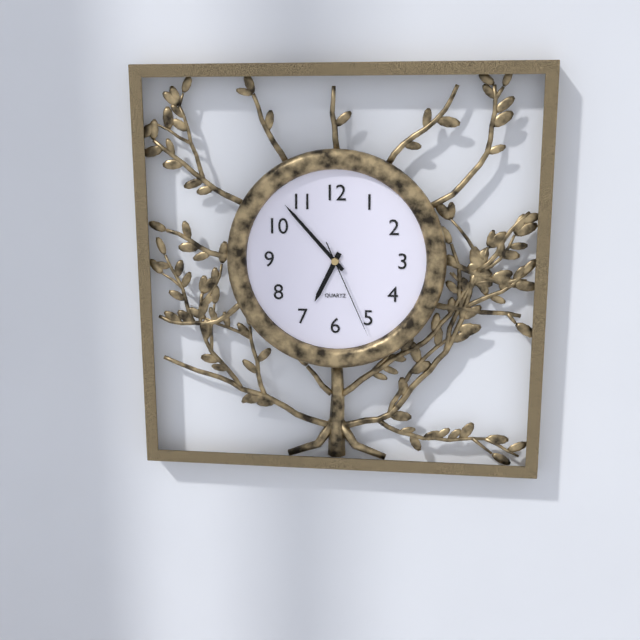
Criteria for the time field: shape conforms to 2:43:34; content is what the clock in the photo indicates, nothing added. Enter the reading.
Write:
6:53:26
